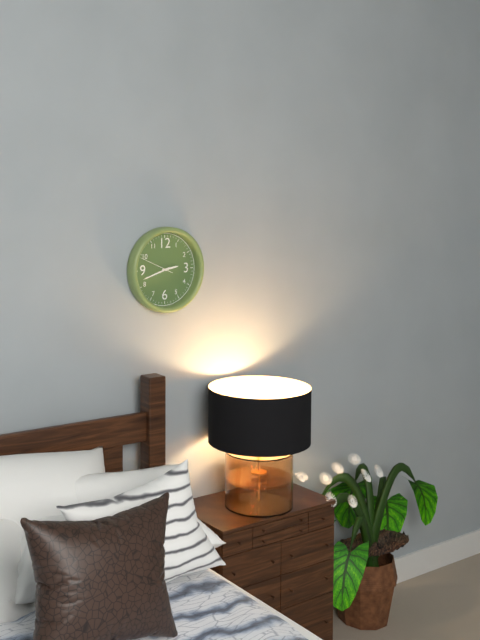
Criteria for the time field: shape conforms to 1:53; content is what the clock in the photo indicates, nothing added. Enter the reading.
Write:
2:42
